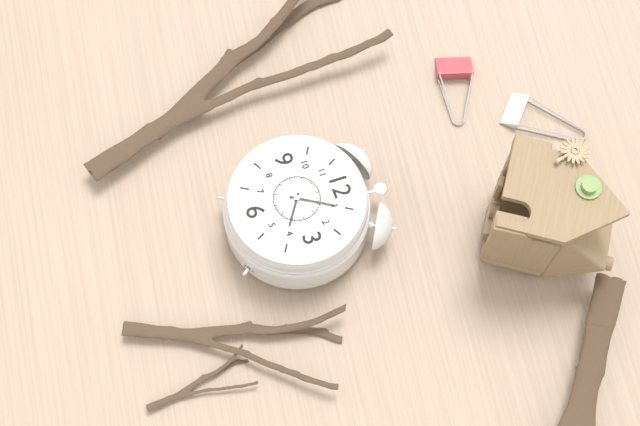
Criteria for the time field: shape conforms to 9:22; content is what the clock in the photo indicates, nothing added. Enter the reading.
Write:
4:05
